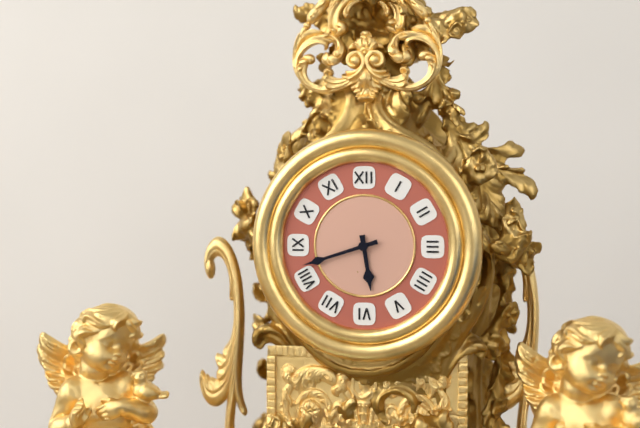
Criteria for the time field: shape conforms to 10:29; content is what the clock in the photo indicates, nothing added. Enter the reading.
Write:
5:42
